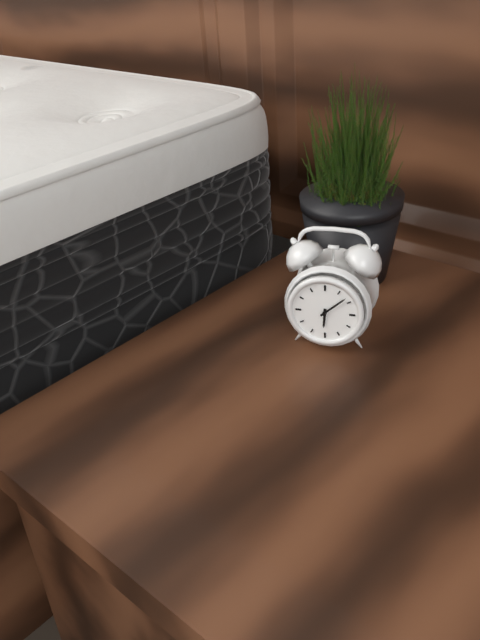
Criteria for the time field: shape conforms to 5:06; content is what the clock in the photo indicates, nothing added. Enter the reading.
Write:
6:08
